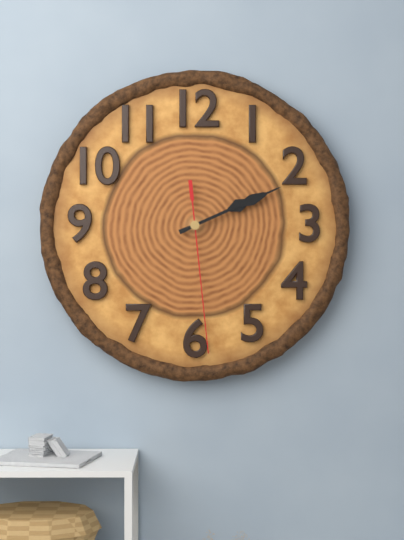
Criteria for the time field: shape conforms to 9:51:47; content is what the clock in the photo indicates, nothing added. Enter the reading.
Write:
2:11:29
